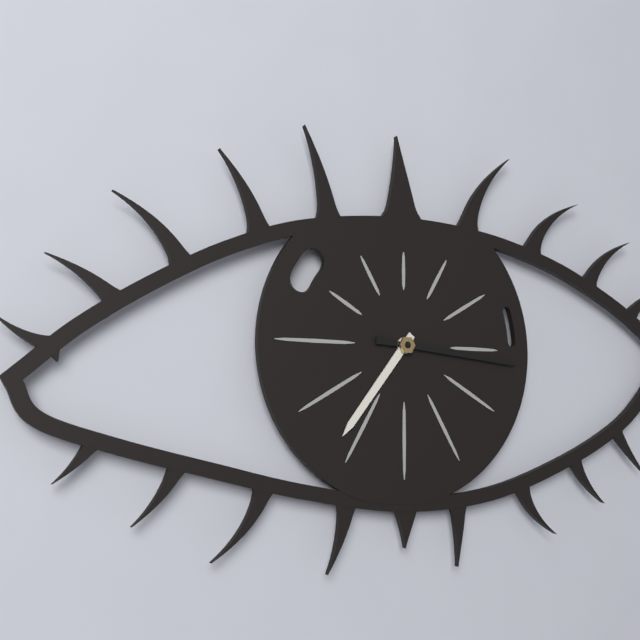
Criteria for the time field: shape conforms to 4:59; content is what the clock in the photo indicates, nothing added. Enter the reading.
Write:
7:16
